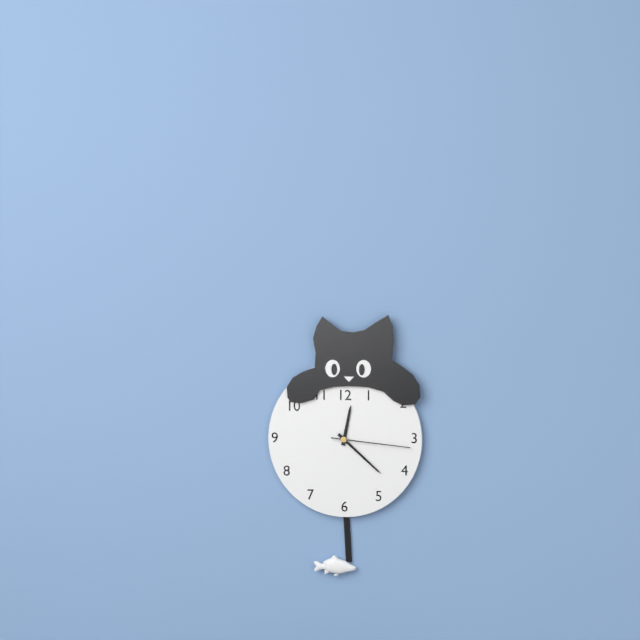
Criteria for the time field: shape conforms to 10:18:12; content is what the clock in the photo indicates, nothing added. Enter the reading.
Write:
12:22:16
